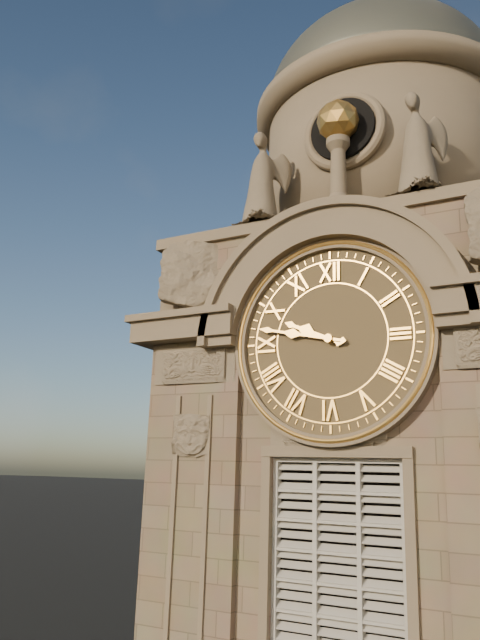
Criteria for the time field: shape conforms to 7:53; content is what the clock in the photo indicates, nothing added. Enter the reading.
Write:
9:47
